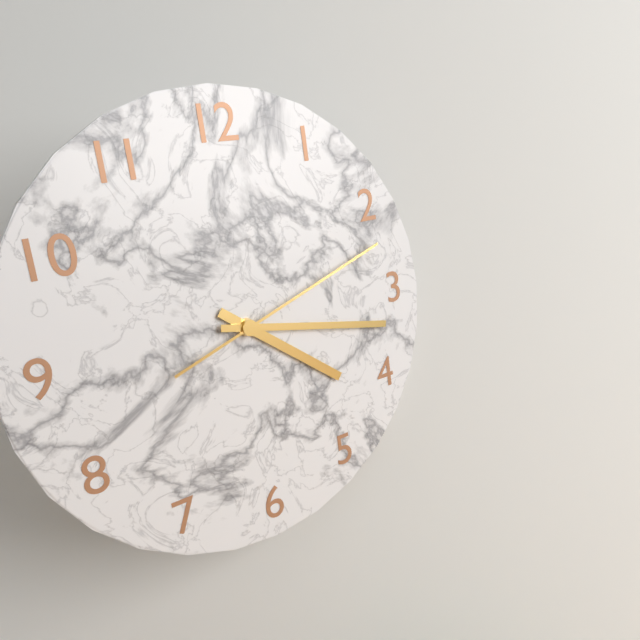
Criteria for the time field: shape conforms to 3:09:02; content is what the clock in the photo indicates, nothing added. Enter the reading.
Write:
4:17:12
